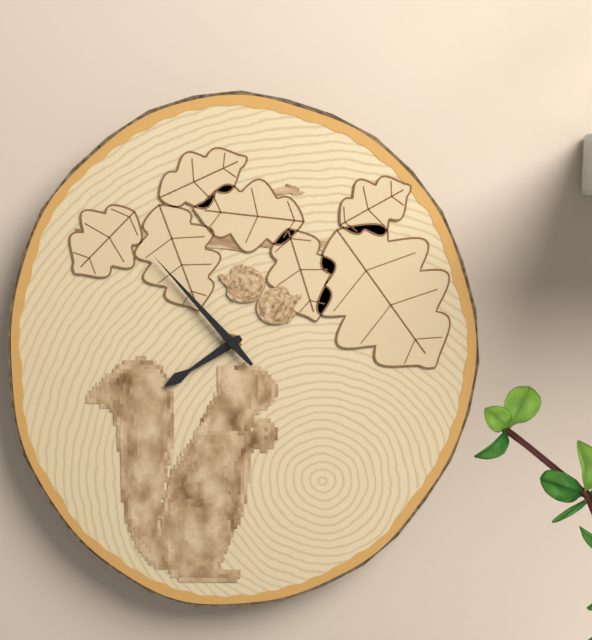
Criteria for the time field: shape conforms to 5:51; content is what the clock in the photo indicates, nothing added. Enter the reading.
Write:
7:53
